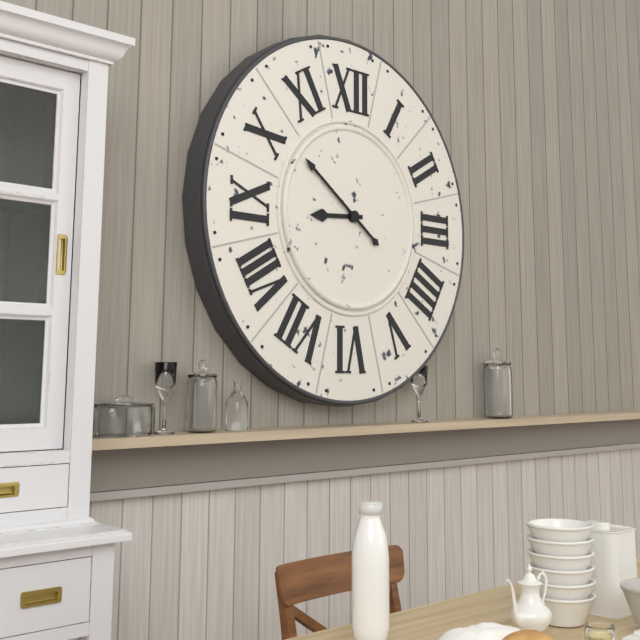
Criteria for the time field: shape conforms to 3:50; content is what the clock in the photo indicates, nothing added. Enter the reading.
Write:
8:51
